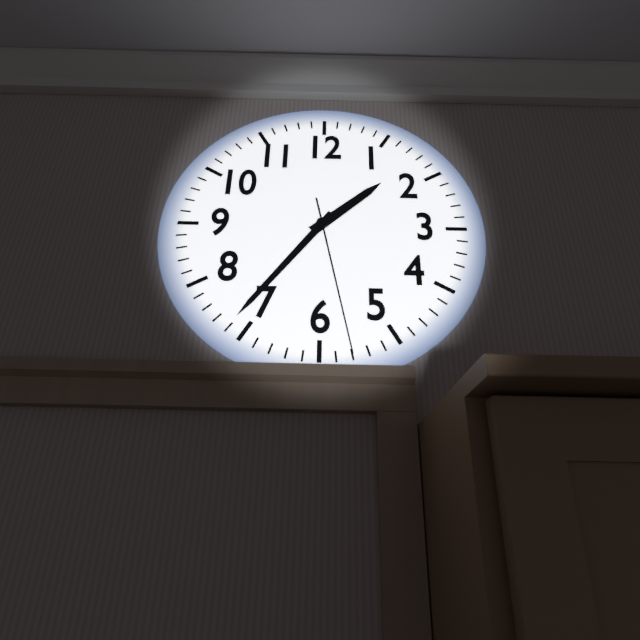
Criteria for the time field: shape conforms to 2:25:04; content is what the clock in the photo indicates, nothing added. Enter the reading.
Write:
1:36:28
